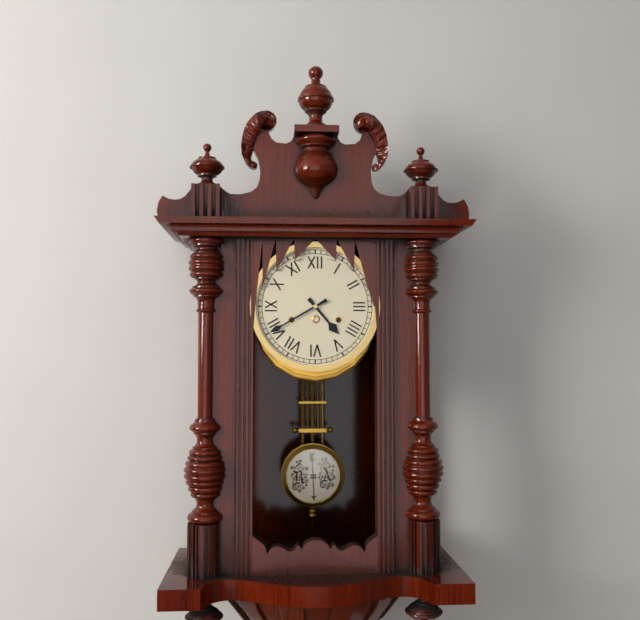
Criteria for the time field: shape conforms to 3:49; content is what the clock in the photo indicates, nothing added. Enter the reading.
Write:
4:40
